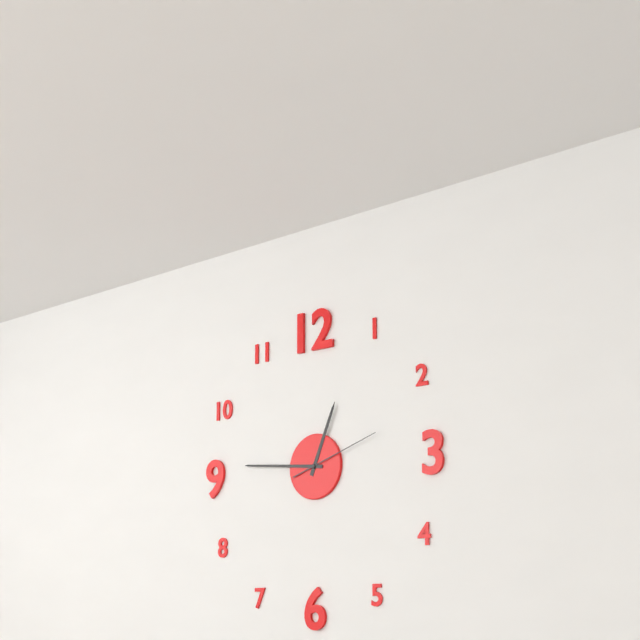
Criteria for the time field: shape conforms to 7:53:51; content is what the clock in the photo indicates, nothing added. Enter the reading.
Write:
12:46:12
